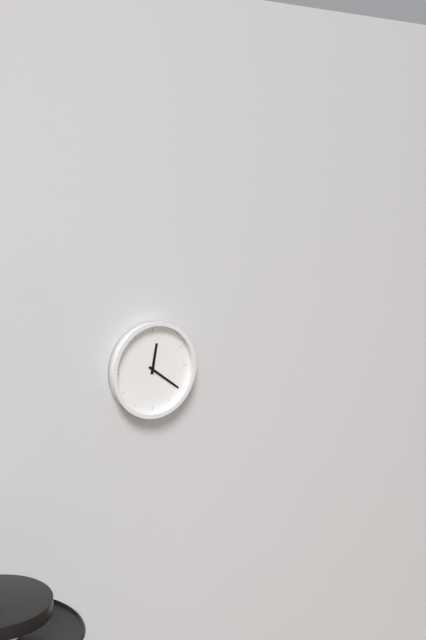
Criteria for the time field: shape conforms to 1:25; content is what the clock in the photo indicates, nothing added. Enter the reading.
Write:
12:21
